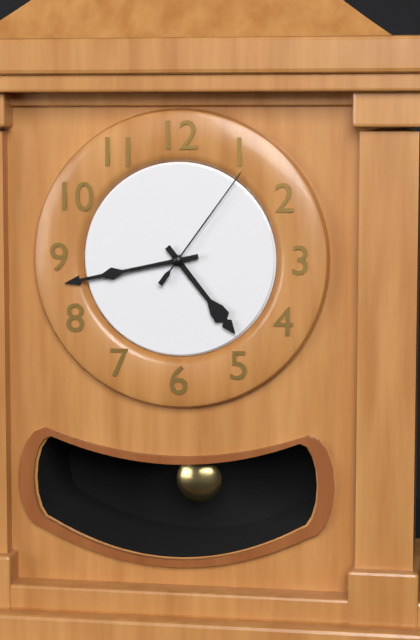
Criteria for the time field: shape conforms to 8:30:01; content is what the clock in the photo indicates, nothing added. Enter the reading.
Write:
4:43:06
